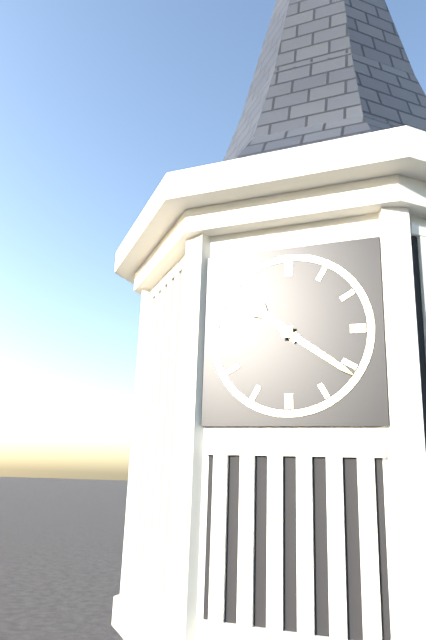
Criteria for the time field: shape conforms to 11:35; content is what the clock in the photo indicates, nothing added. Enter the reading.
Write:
10:21
